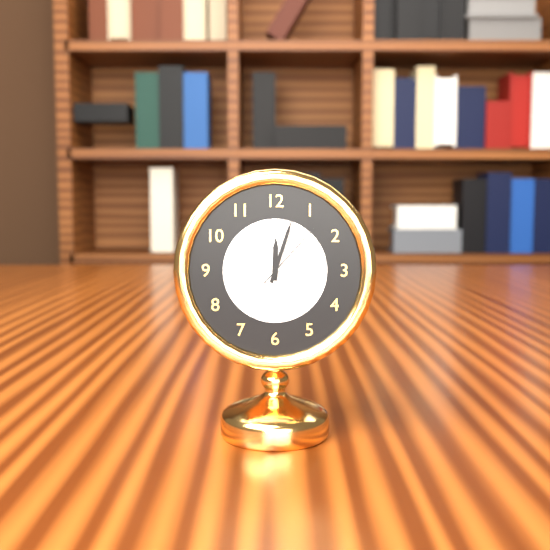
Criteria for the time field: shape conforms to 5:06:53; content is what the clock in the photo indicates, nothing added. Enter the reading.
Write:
12:03:07
